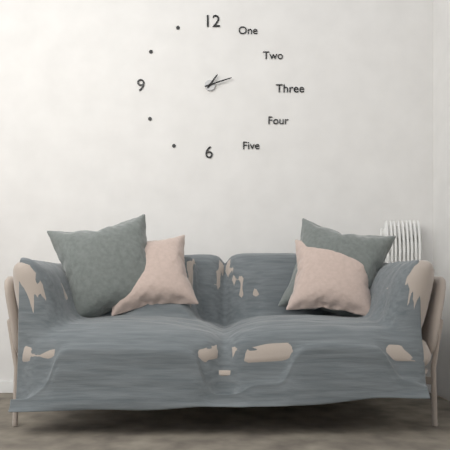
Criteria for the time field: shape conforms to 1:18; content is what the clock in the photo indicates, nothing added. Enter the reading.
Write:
1:12
